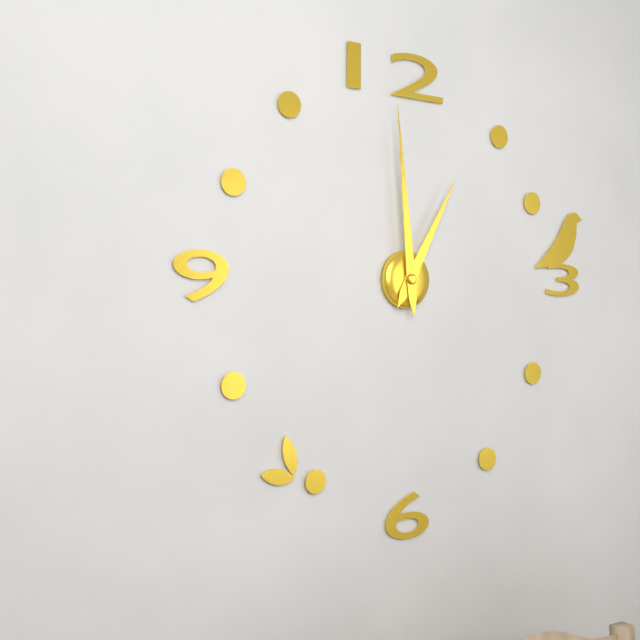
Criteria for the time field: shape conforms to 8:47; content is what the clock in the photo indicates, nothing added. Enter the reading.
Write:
12:59
